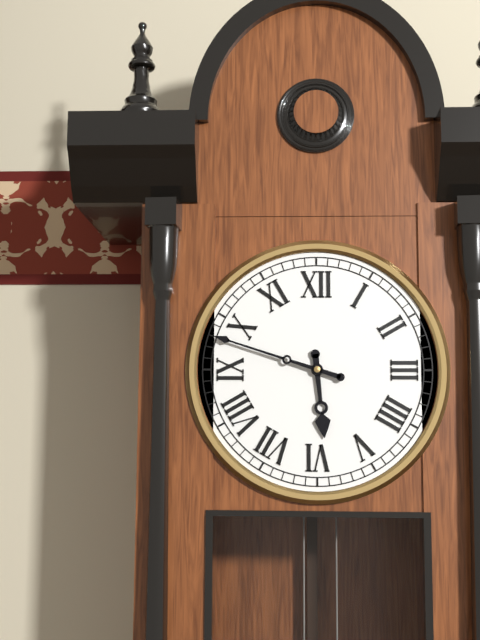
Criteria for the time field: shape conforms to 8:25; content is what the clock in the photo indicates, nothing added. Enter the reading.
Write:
5:48
